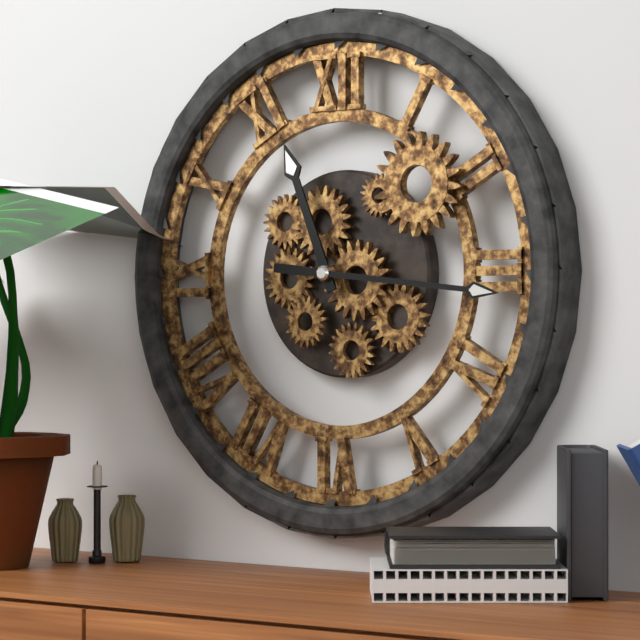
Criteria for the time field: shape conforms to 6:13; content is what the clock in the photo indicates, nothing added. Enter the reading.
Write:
11:16
